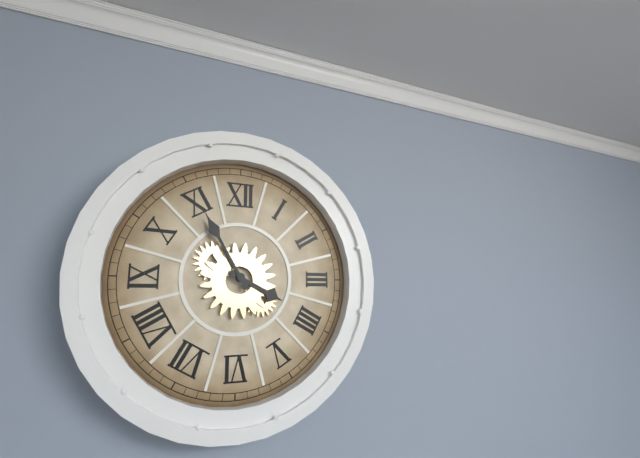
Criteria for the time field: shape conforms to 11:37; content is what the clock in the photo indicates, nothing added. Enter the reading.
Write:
3:55
